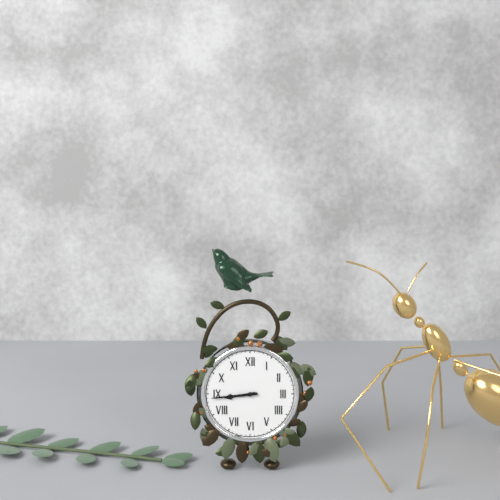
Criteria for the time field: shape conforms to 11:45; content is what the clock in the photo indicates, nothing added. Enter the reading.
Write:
8:44
